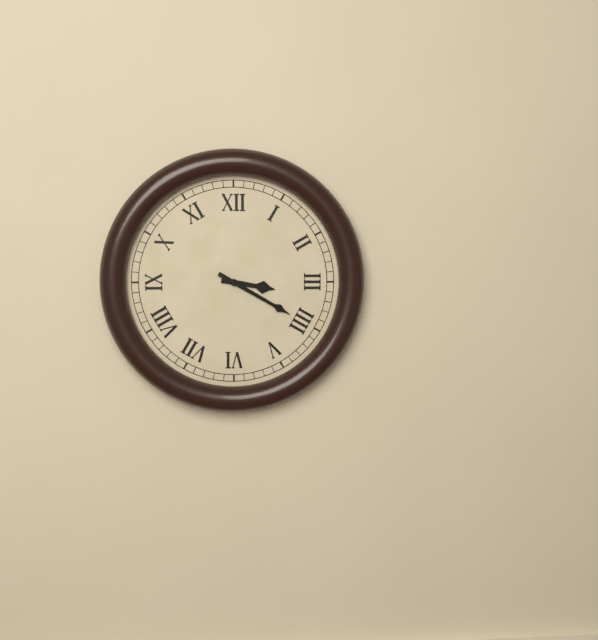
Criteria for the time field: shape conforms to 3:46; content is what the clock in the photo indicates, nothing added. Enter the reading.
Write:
3:20
